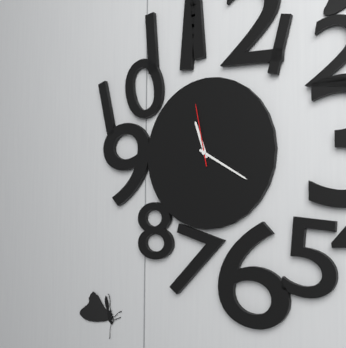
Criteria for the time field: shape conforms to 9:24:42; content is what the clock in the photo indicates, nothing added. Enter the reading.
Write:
11:20:58
